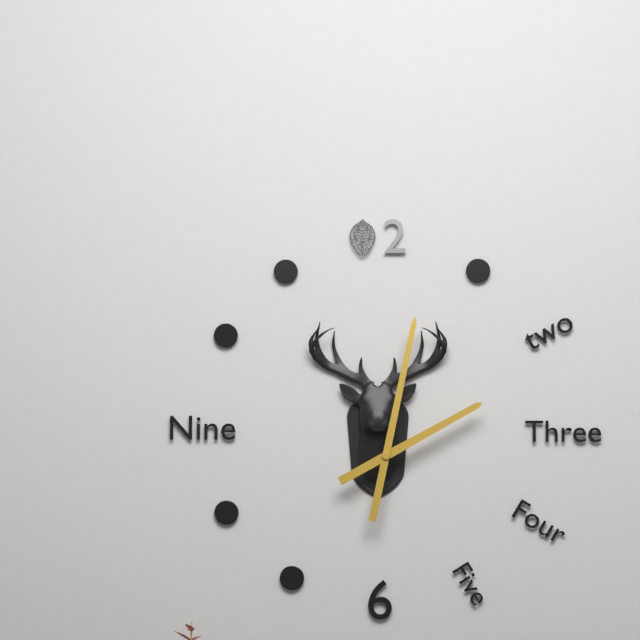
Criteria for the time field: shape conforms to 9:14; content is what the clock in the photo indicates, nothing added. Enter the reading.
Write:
2:02
